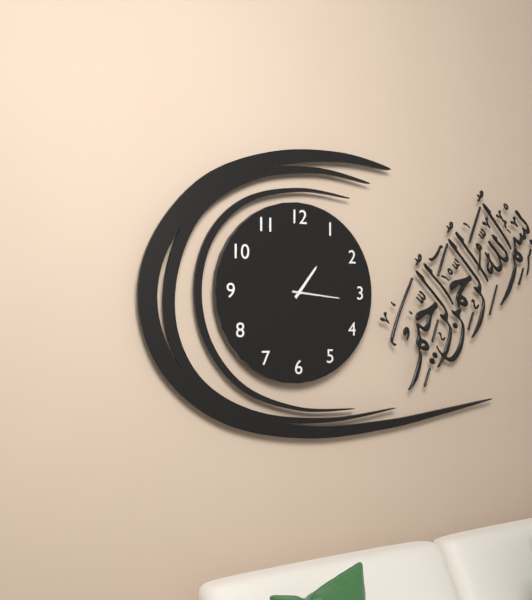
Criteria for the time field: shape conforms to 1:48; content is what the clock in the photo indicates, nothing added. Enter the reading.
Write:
1:16
